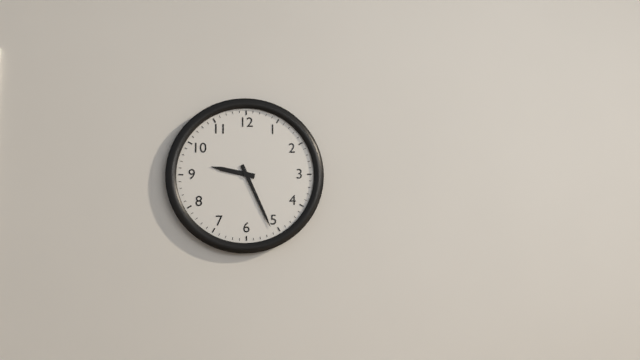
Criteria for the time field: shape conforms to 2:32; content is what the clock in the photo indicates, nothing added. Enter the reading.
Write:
9:26
